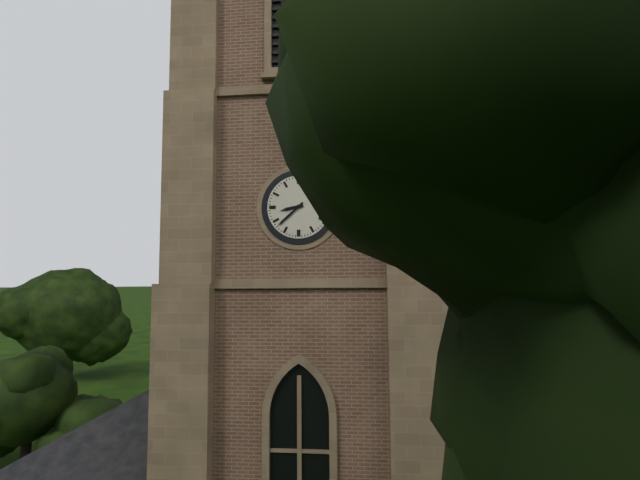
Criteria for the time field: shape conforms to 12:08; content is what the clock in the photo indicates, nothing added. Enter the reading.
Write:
8:38
